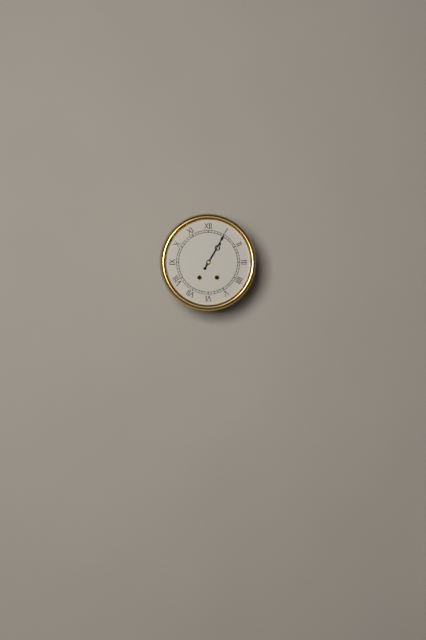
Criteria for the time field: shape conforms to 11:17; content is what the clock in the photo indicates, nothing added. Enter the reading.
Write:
1:05
